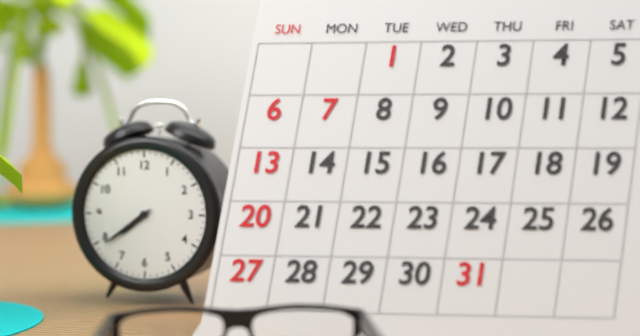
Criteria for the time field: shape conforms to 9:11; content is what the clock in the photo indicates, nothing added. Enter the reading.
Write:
7:39
